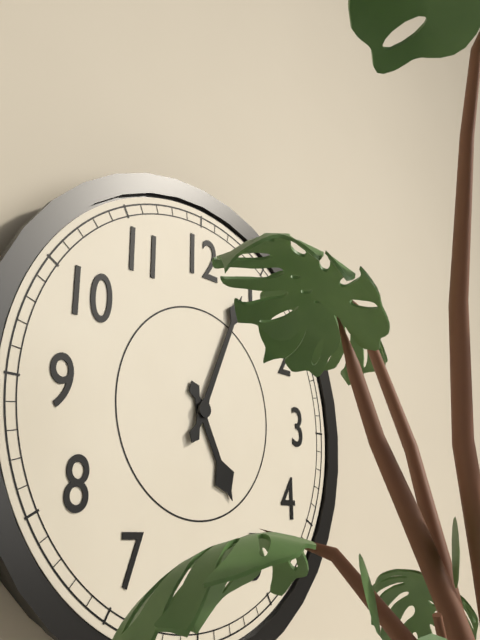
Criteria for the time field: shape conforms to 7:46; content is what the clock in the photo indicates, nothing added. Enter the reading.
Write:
5:04
